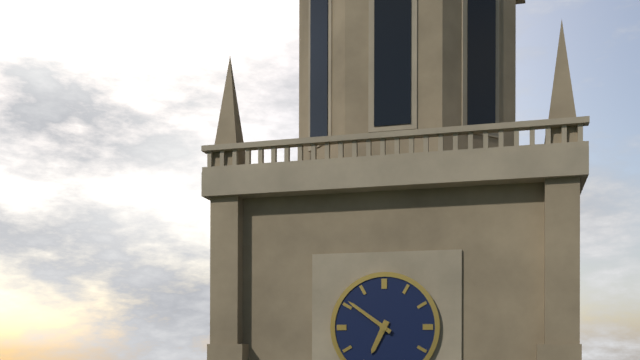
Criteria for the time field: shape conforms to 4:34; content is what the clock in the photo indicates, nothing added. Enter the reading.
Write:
6:51
